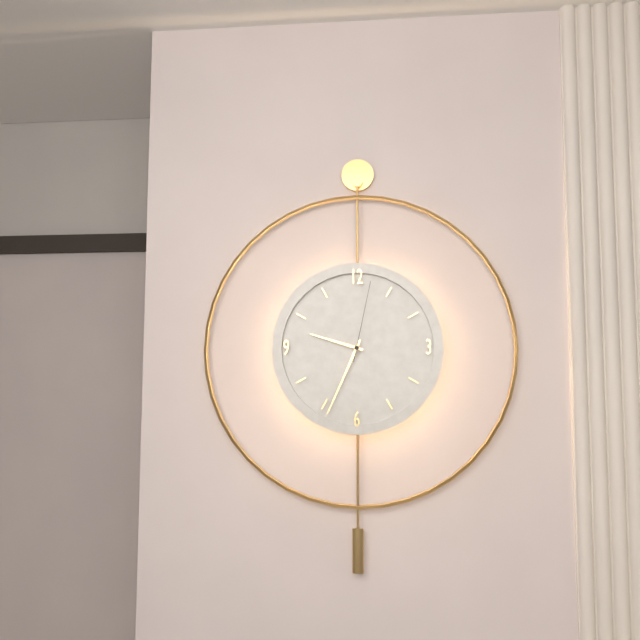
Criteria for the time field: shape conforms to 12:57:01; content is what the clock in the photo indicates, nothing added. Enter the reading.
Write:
9:34:02
